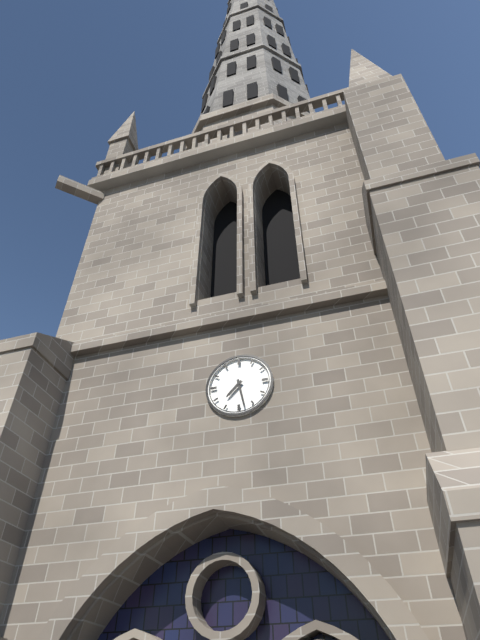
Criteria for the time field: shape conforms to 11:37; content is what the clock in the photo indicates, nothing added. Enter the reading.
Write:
7:28
